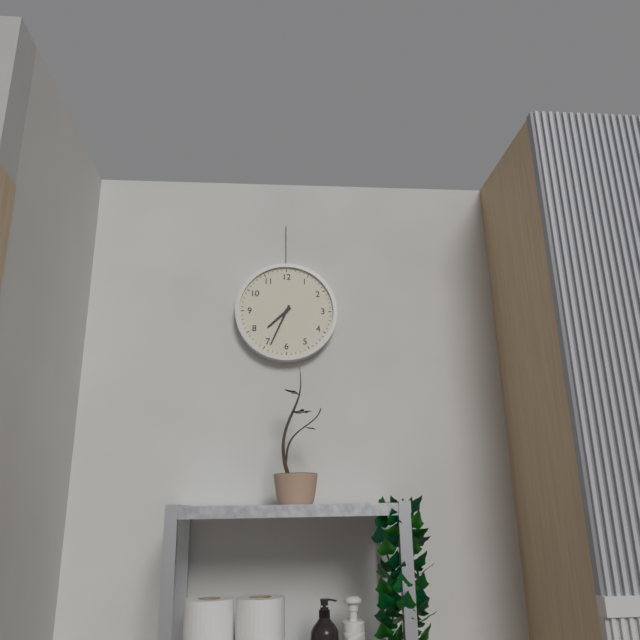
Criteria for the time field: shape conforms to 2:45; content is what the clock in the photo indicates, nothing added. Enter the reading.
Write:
7:34
